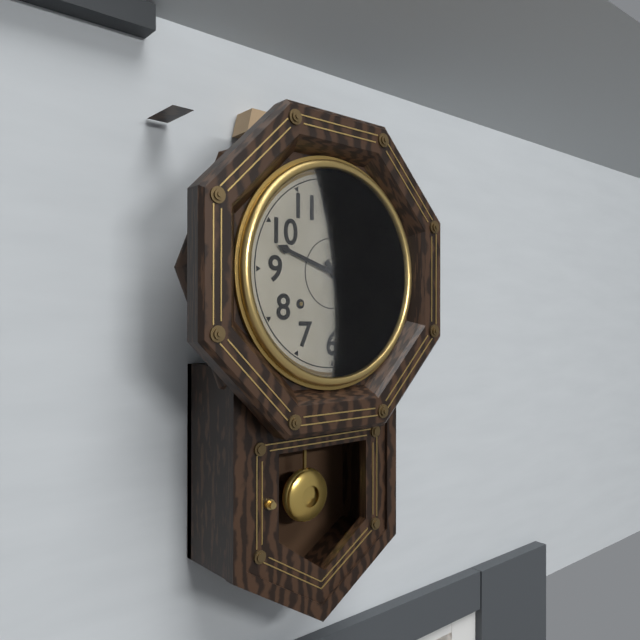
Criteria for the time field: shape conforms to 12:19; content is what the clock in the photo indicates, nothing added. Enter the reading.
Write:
4:48
